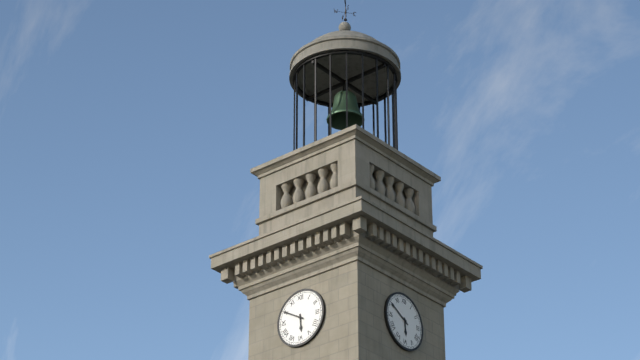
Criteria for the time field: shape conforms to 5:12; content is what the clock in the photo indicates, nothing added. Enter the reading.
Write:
5:50
